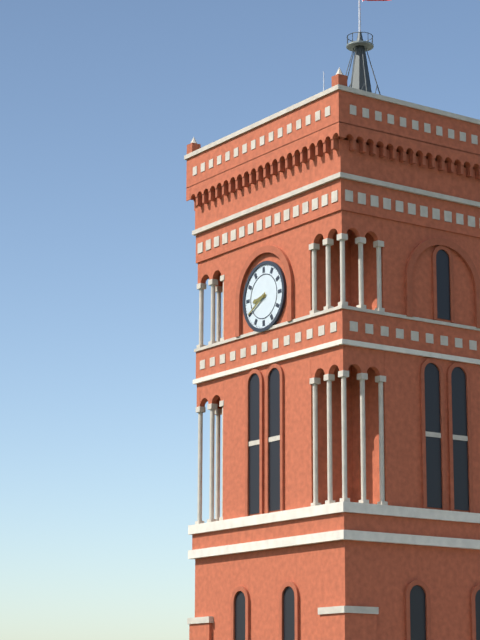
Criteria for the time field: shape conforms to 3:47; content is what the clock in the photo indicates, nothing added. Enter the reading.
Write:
8:40
